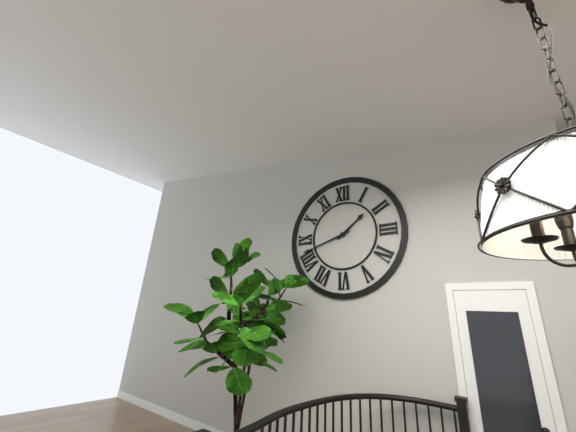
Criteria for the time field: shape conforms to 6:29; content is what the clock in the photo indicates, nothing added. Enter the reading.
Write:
1:42
